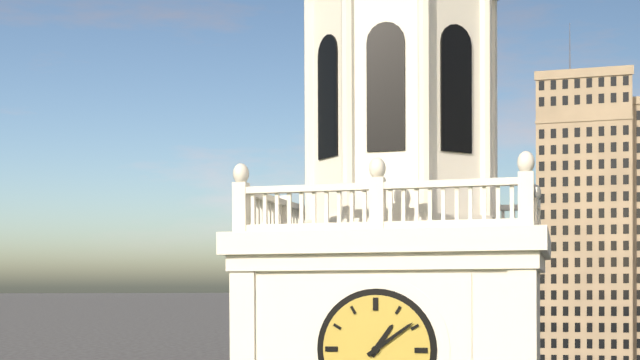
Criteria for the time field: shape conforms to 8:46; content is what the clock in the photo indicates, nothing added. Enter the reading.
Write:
1:09
